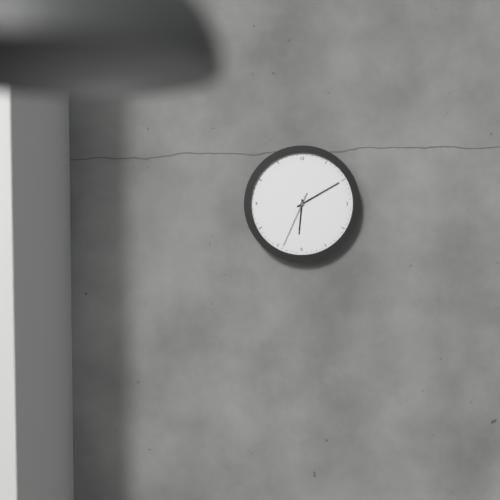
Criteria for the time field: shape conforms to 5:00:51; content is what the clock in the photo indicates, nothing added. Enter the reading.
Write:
6:10:34
